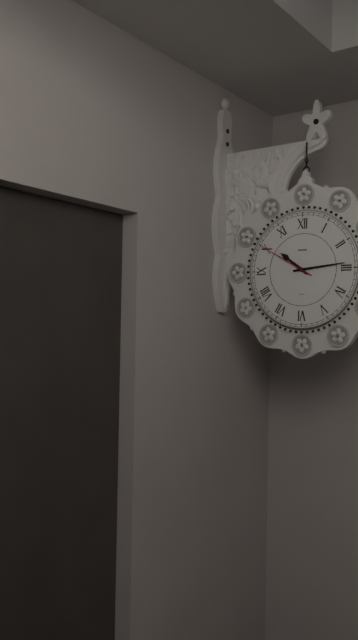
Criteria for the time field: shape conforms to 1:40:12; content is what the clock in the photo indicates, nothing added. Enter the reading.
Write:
10:14:50
